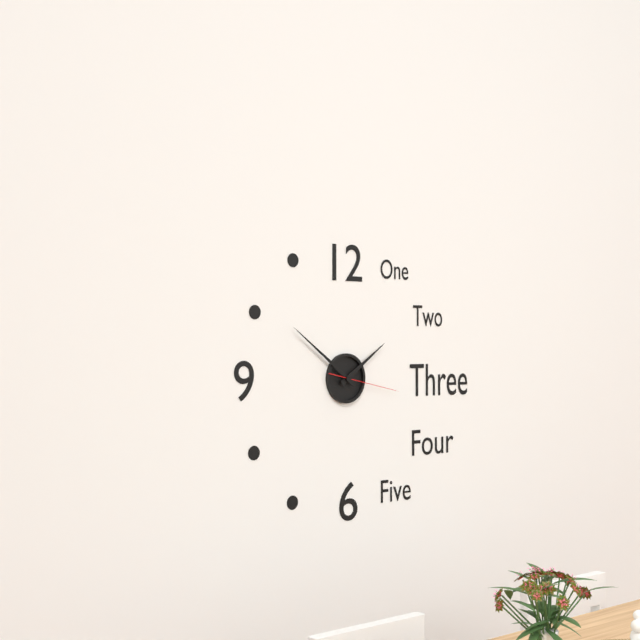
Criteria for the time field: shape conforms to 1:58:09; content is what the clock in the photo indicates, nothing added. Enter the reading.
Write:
1:51:17
